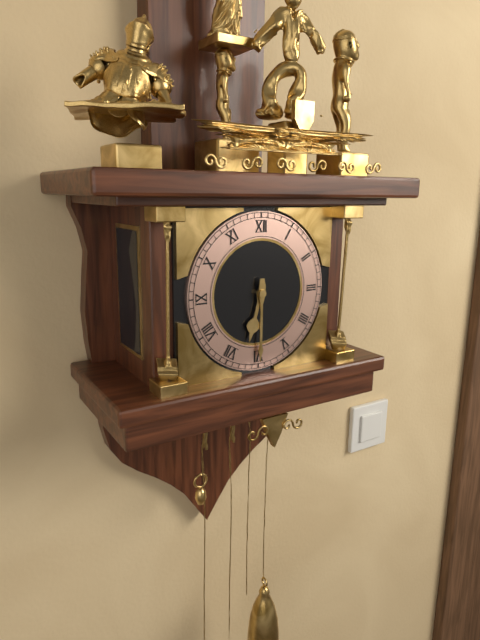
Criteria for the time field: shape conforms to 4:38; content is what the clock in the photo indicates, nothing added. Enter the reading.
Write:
6:30
